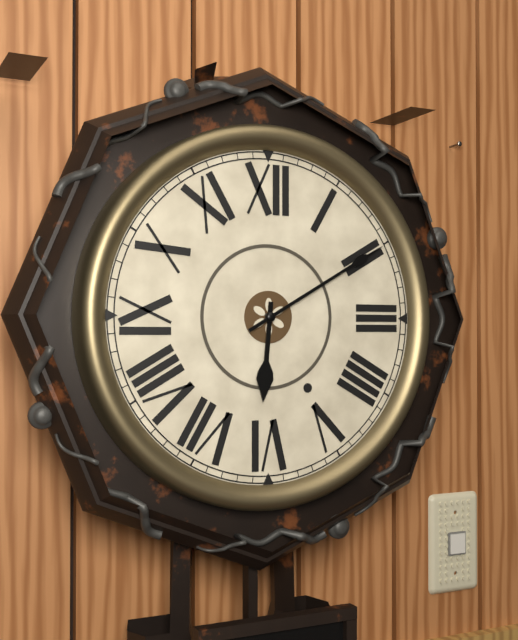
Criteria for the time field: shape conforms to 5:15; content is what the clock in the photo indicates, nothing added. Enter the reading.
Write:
6:10
